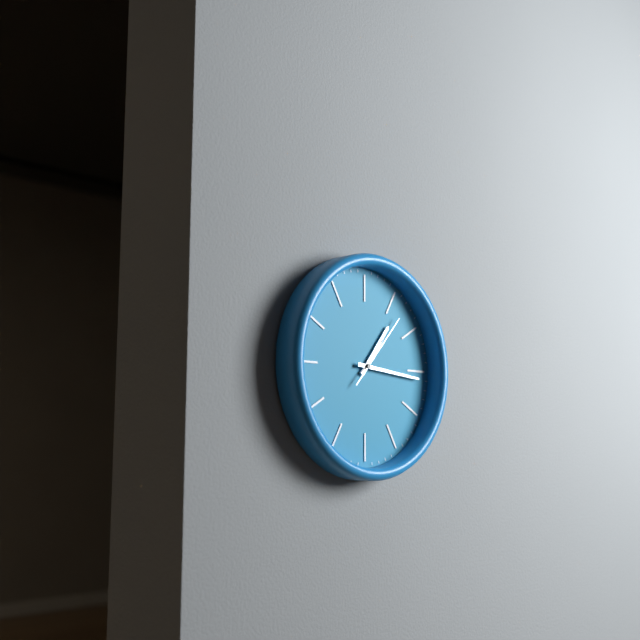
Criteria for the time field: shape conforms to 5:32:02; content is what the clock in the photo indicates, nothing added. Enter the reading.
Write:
1:16:07
